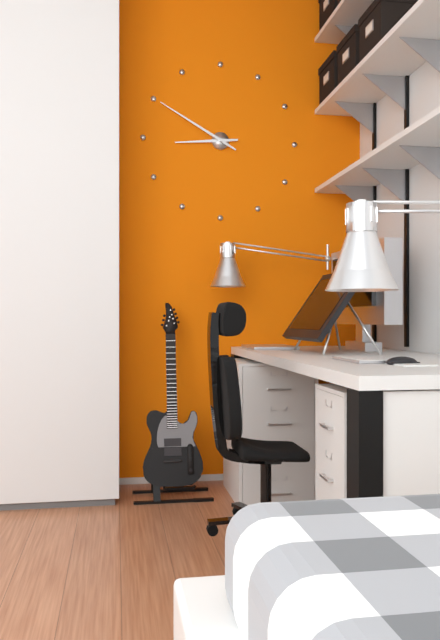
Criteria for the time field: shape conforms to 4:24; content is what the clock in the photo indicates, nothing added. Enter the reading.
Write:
8:50
